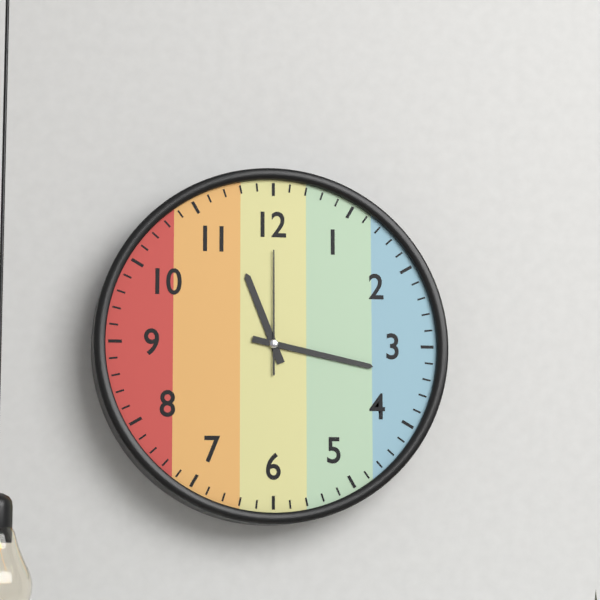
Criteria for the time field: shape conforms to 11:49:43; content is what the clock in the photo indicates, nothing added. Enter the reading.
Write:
11:17:00
